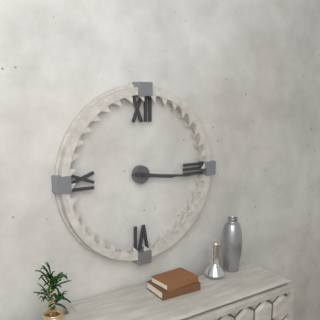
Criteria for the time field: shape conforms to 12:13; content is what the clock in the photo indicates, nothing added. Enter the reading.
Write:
3:16
